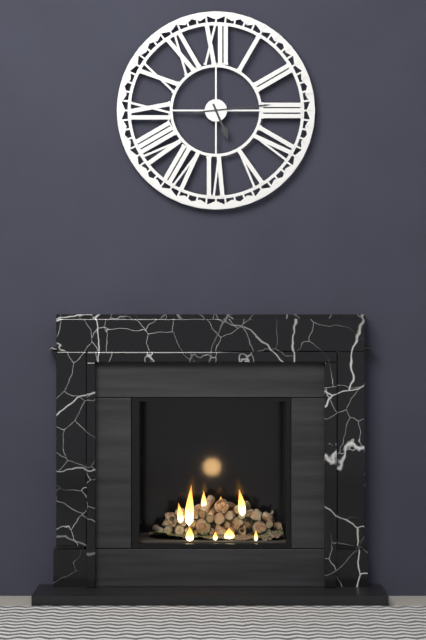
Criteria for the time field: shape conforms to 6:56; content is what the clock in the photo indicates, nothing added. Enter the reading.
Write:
5:14
